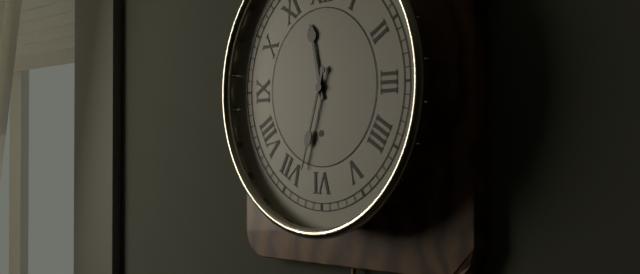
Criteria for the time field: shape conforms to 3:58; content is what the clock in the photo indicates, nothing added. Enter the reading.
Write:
11:33
